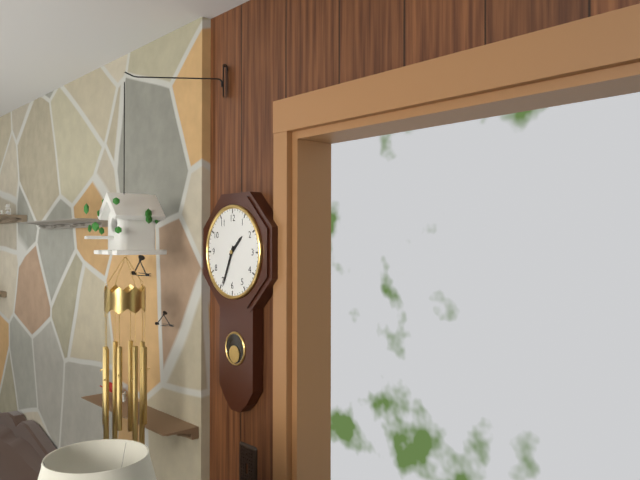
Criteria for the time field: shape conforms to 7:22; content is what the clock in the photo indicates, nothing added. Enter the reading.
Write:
1:34
